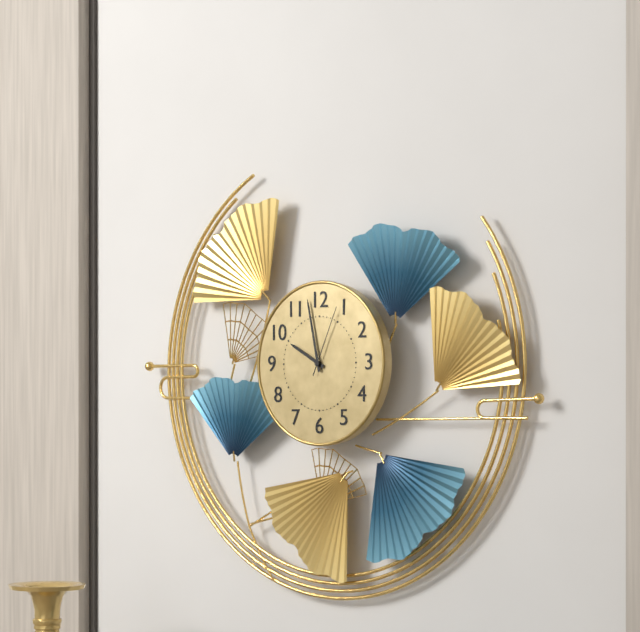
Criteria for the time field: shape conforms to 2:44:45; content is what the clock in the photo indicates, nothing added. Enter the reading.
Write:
9:58:04
